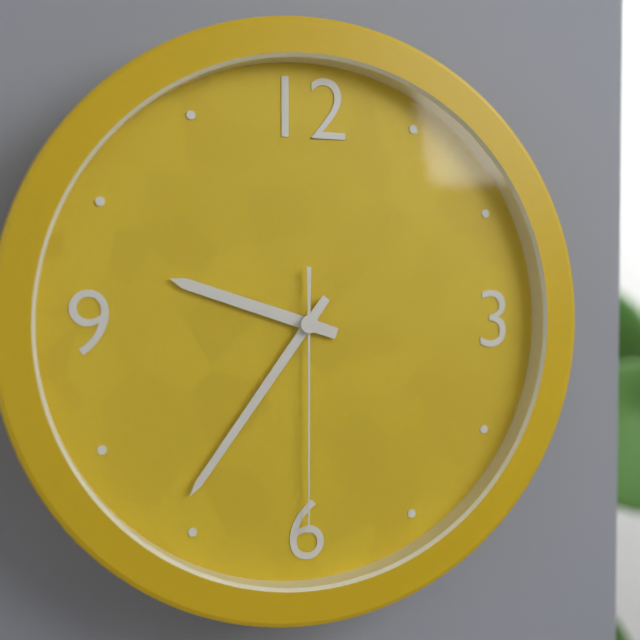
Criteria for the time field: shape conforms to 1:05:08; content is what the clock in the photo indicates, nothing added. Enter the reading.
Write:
9:36:30
